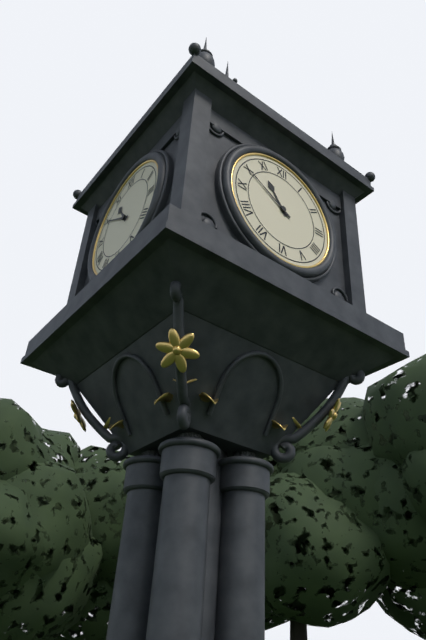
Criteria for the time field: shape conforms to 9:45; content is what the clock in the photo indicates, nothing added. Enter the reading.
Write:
10:50
